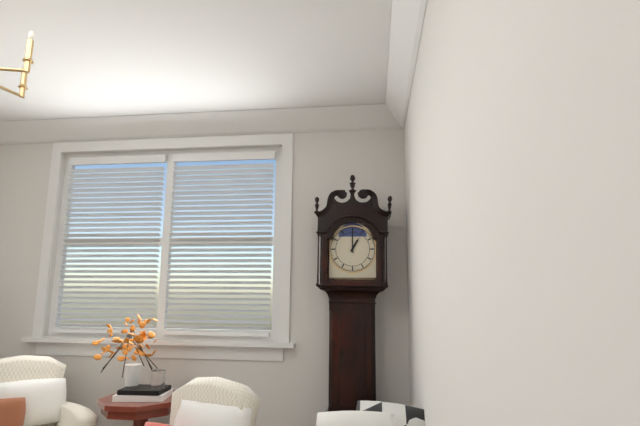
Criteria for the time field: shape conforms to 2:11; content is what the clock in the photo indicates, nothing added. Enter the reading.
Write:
1:00
